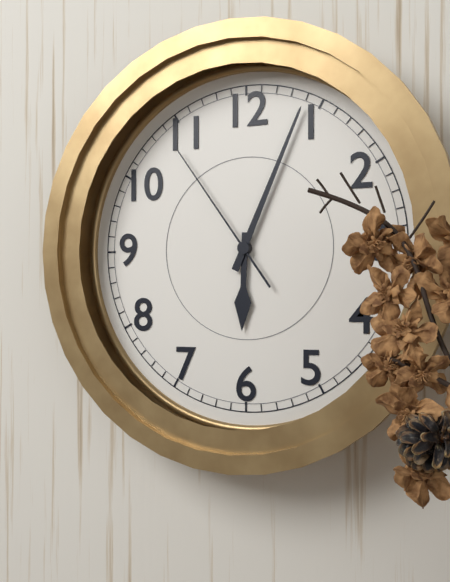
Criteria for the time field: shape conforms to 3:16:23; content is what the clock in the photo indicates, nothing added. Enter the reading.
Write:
6:04:54
